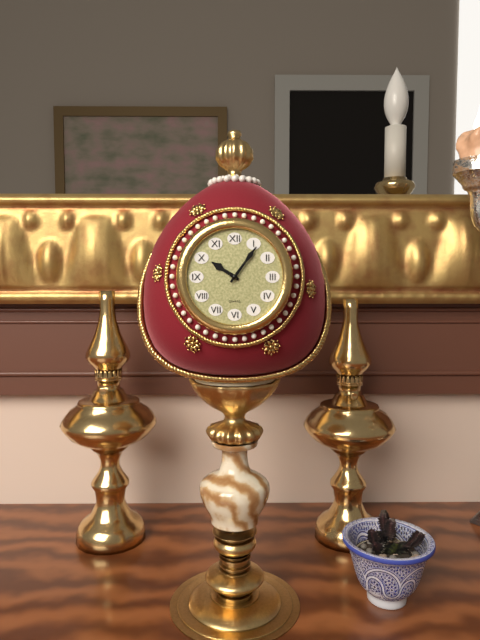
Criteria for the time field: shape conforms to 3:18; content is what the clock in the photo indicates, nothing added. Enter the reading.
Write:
10:06
